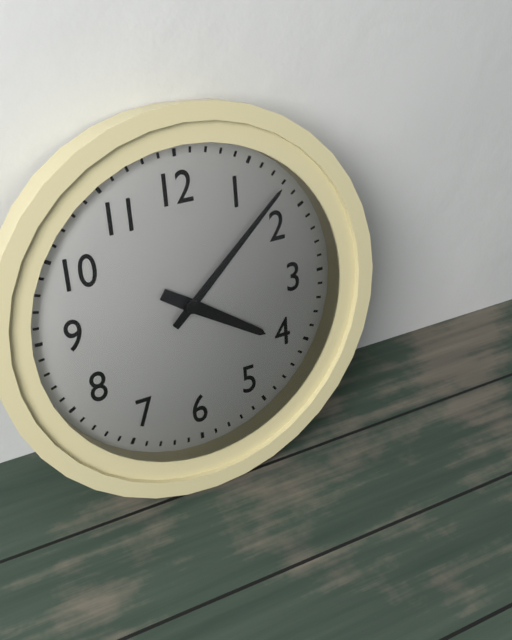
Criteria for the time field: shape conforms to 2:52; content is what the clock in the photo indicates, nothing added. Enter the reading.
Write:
4:08
